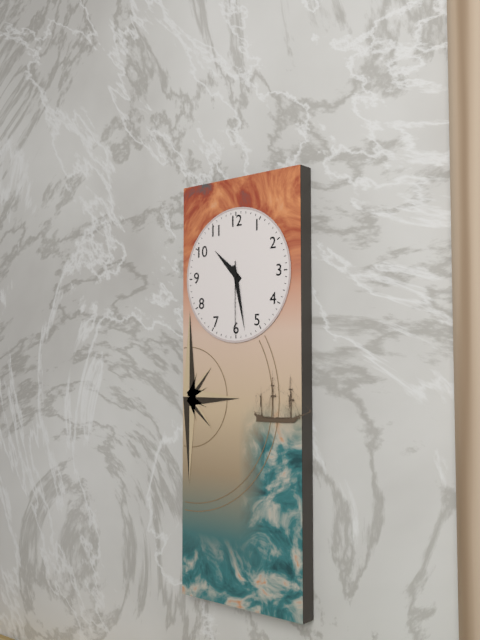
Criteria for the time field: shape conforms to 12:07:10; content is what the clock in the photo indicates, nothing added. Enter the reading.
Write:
10:28:30
